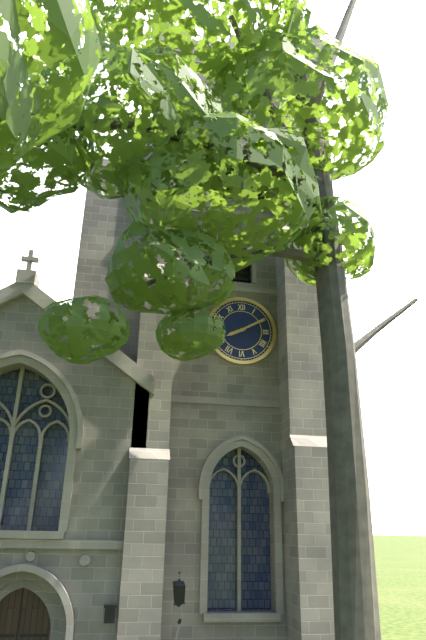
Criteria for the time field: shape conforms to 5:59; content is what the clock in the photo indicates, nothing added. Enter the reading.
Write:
8:10
